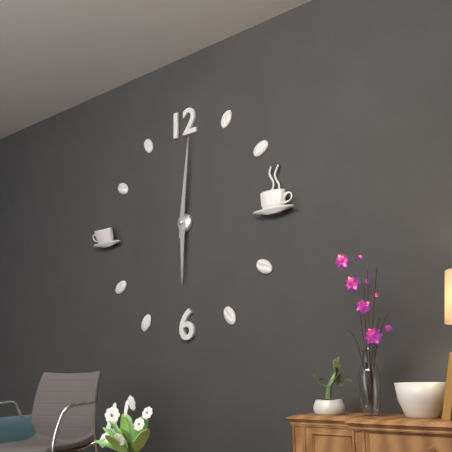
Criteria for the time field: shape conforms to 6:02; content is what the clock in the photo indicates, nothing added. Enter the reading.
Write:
6:01
